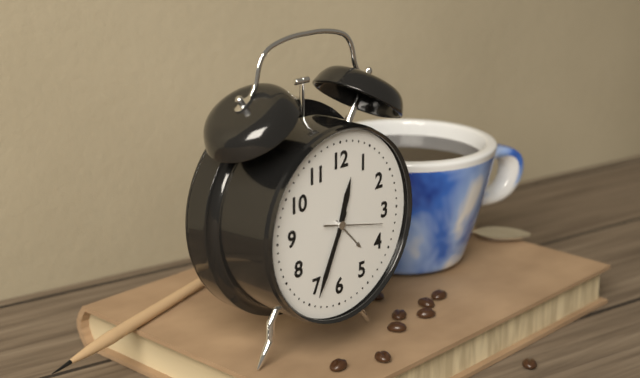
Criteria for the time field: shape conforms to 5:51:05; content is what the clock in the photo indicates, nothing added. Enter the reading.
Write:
12:34:17
